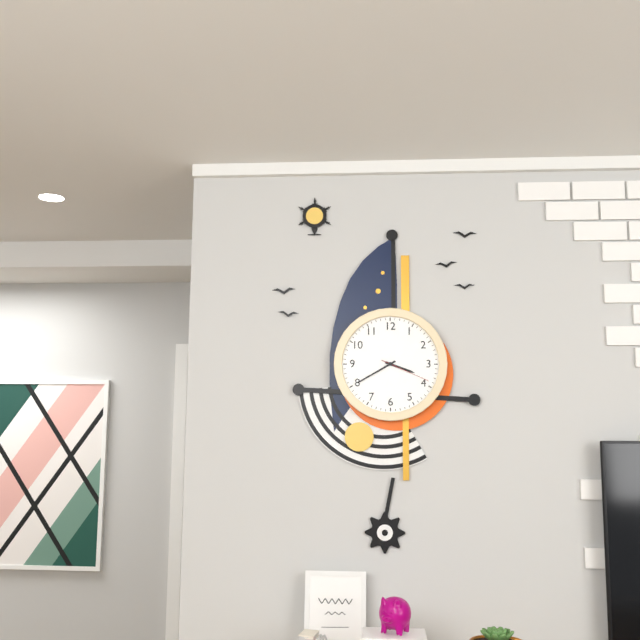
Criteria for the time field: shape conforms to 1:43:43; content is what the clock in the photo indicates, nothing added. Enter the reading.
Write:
3:40:19
